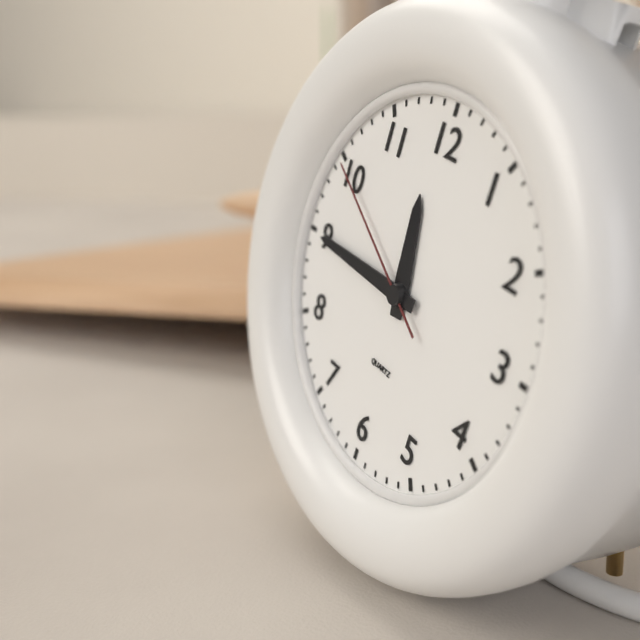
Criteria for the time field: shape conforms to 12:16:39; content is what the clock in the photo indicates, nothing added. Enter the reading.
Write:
11:45:50
